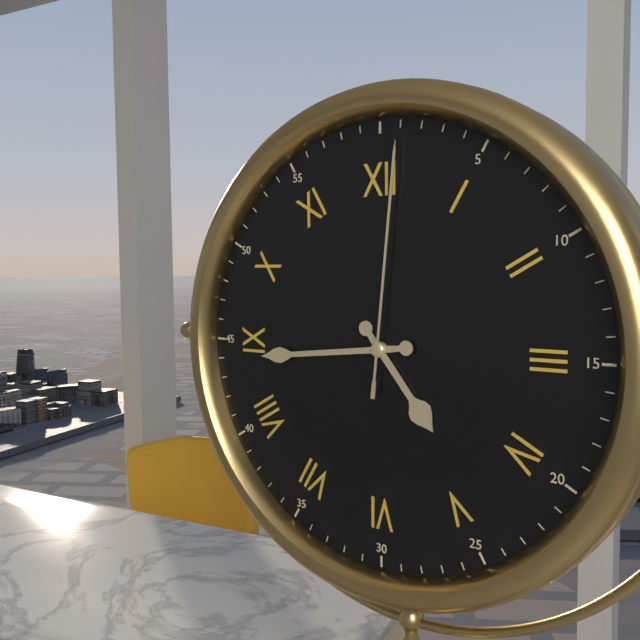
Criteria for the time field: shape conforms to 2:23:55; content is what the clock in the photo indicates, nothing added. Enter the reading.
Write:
4:44:01
